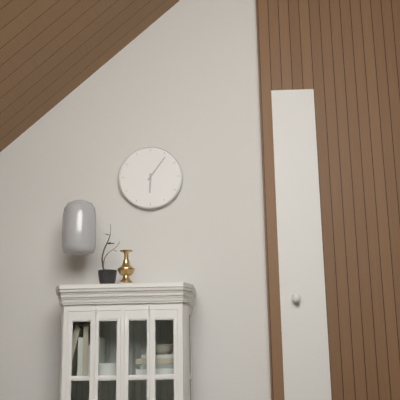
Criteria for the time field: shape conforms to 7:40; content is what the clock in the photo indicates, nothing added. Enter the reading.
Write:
6:06
